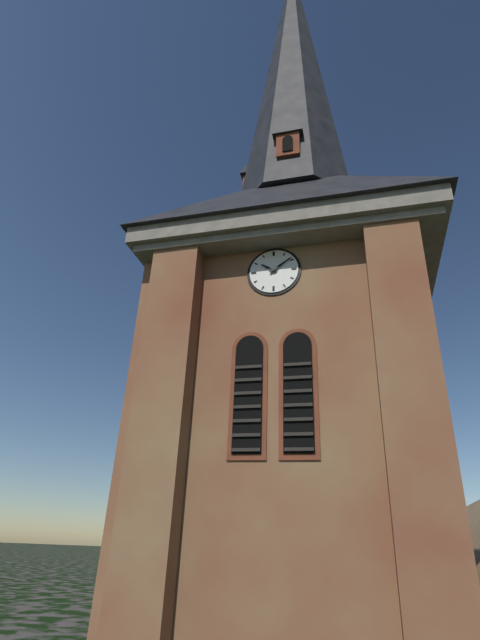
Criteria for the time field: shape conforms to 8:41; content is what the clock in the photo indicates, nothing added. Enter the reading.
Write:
10:09
